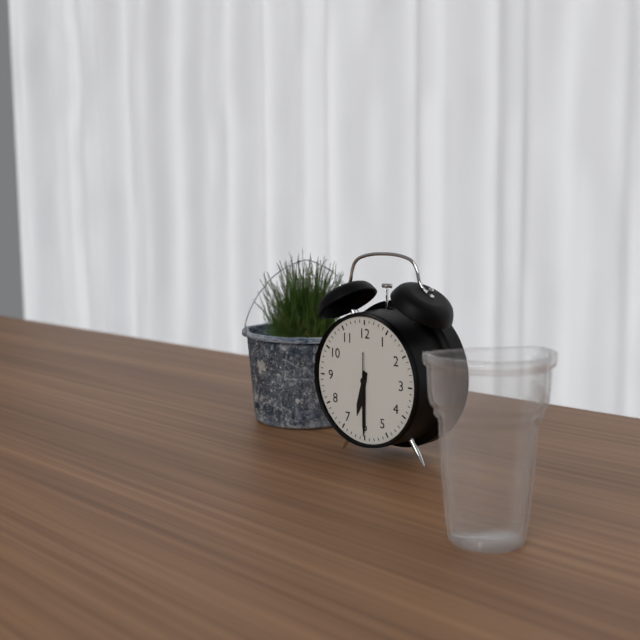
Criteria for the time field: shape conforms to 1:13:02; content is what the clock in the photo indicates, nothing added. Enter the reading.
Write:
6:30:30
